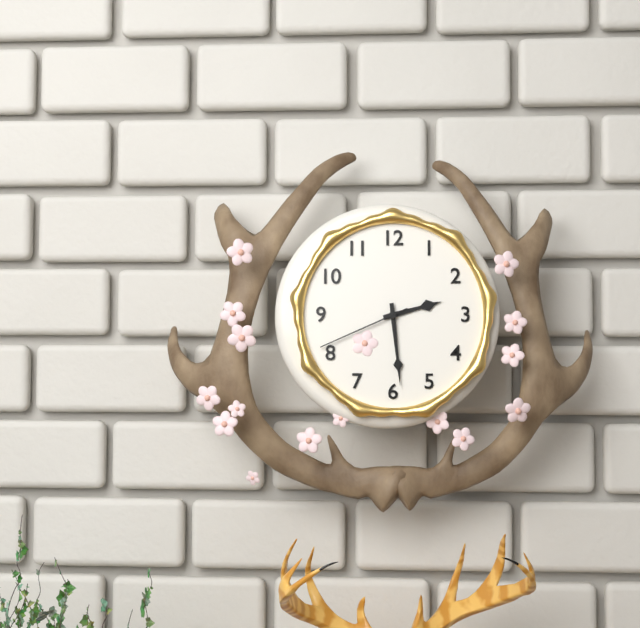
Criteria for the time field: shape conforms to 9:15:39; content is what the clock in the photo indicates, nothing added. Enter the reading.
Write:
2:29:41
